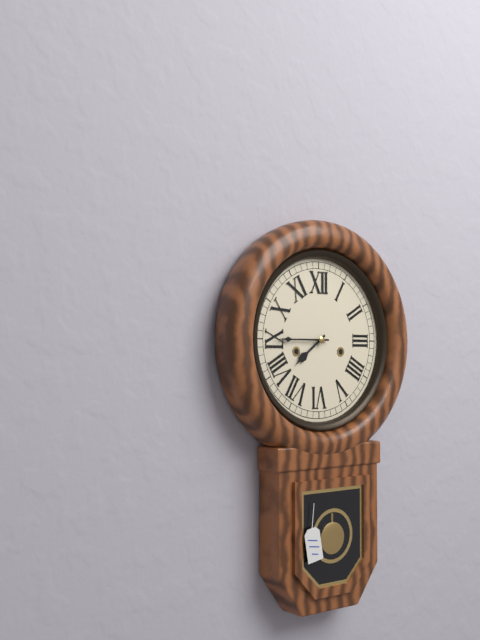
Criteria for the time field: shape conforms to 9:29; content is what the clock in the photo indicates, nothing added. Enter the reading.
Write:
7:45
